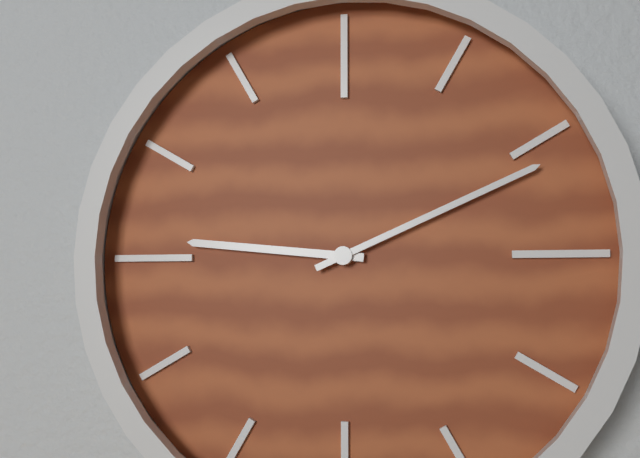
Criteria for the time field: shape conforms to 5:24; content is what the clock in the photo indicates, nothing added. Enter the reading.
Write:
9:11
